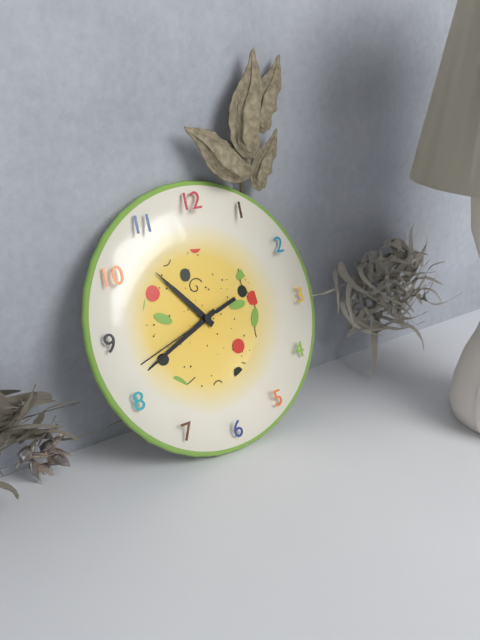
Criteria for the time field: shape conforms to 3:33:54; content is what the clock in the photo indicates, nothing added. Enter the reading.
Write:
10:41:42
